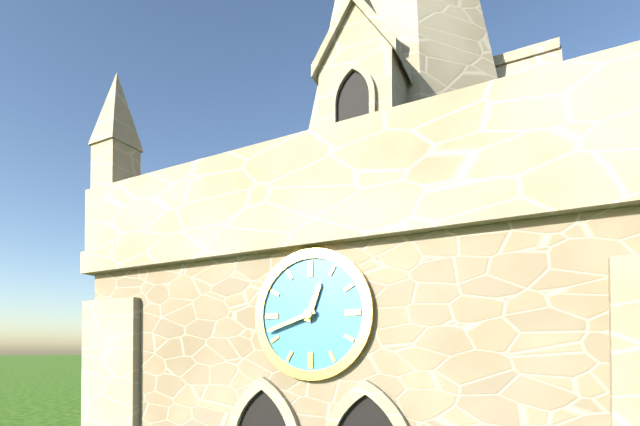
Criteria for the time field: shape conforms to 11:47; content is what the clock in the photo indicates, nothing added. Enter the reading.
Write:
12:42
